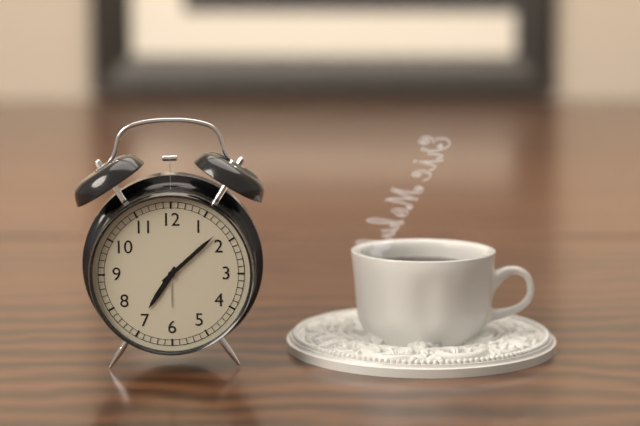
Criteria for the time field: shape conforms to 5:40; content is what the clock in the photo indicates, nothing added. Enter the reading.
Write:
7:08
